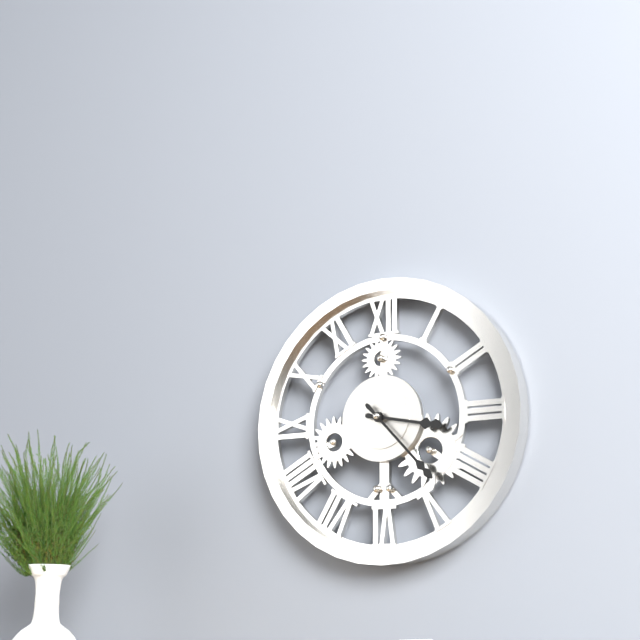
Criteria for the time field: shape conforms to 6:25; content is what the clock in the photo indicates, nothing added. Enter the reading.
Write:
3:23
